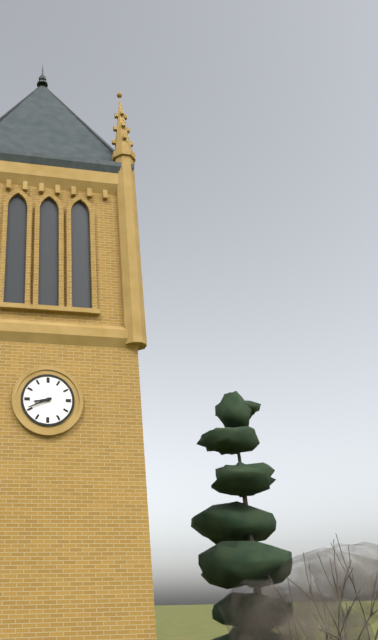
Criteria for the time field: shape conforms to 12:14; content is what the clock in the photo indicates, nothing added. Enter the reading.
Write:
8:41
